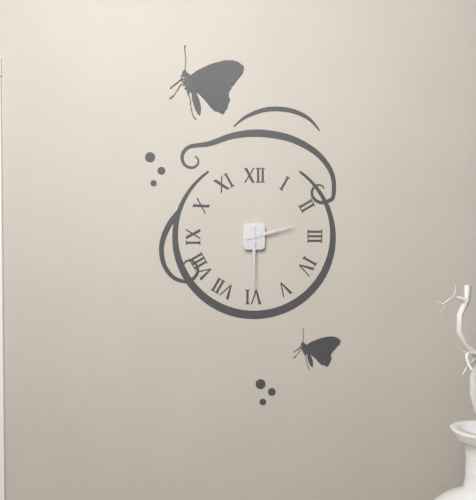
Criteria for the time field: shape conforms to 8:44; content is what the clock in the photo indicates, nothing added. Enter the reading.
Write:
2:30
